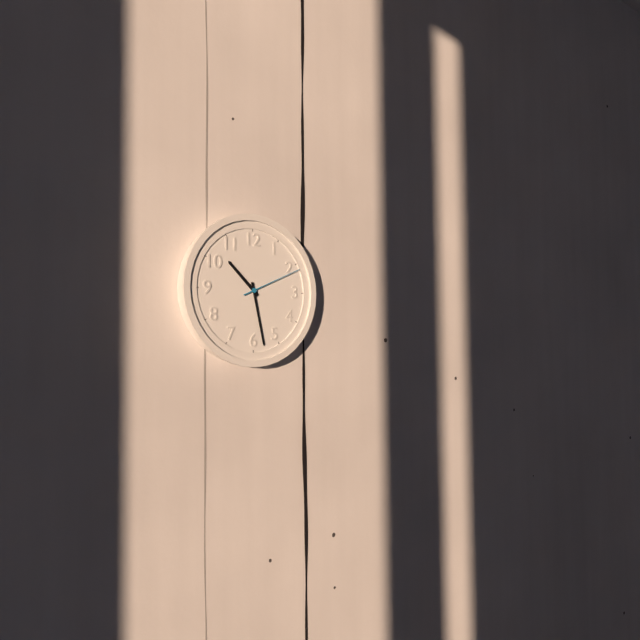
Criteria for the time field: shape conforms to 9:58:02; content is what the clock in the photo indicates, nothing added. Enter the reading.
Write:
10:28:11
